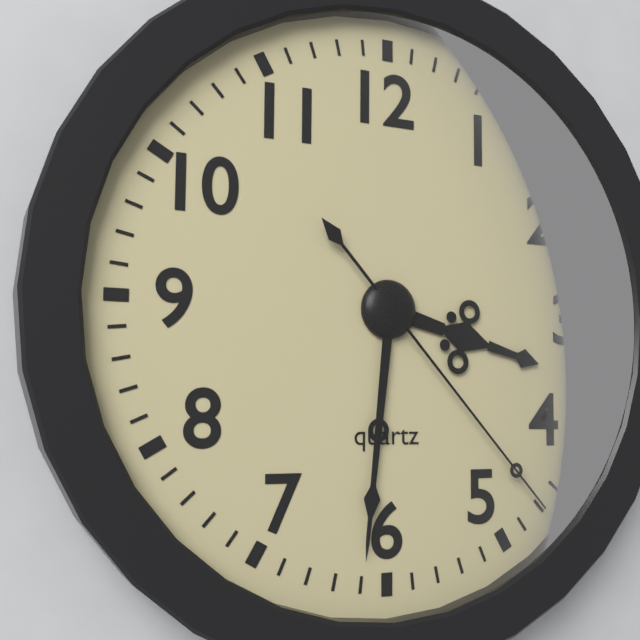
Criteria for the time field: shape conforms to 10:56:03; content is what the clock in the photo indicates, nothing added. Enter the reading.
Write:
3:31:23
